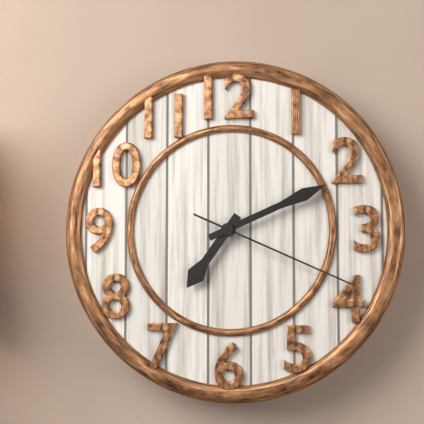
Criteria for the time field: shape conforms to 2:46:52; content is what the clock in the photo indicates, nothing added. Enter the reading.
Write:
7:11:19
